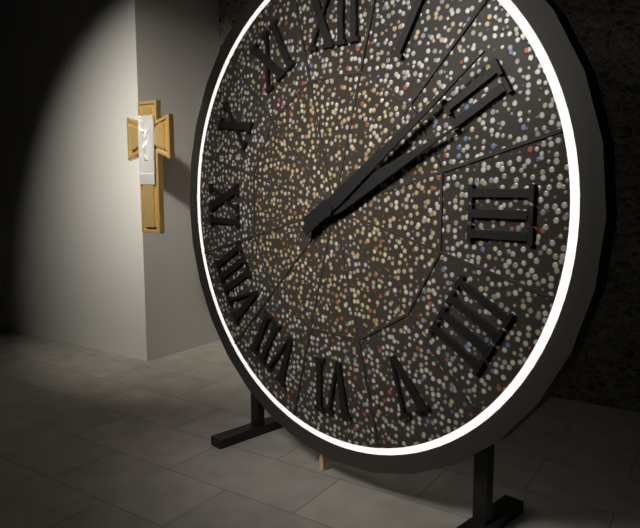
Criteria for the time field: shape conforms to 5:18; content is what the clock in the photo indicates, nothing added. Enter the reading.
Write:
2:09
